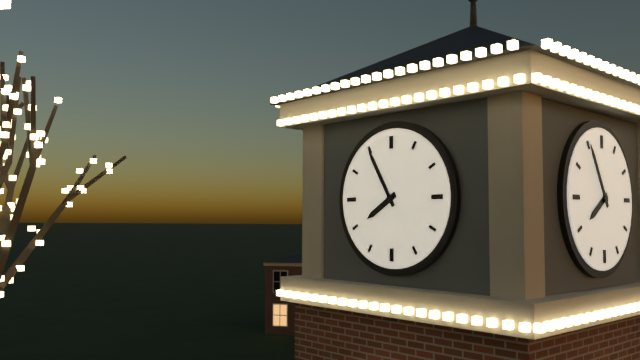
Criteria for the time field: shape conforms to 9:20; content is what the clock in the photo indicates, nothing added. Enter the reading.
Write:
7:55
